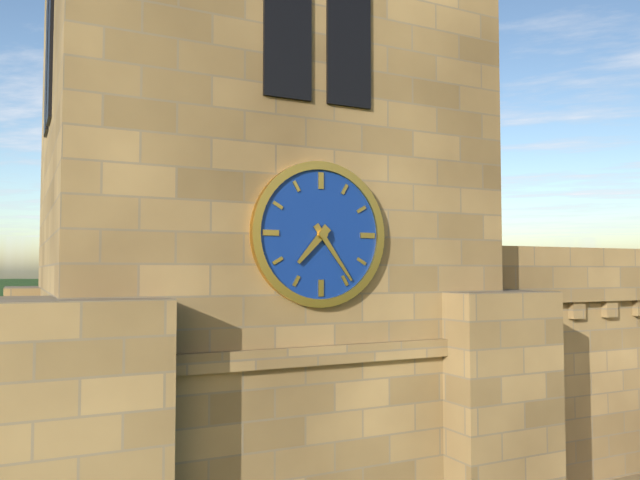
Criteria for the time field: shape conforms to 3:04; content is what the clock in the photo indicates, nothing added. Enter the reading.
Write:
7:24
